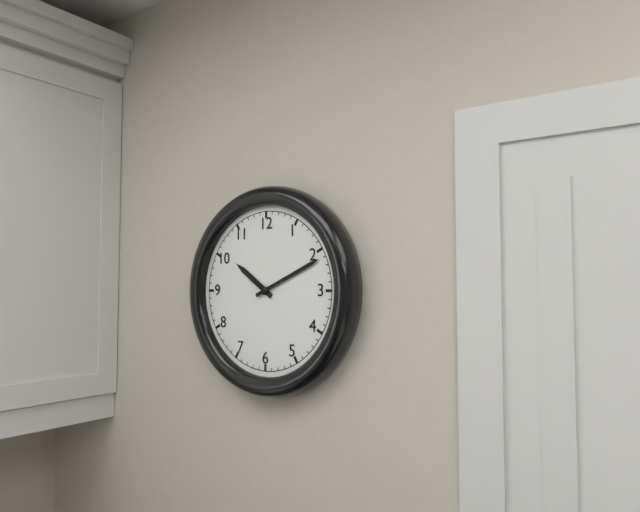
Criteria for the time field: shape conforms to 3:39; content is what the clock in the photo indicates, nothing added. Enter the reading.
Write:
10:11
